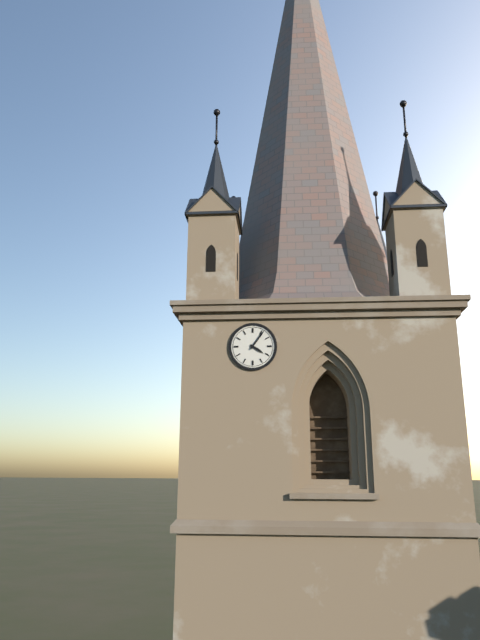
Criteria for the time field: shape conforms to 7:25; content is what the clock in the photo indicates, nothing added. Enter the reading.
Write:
4:06
